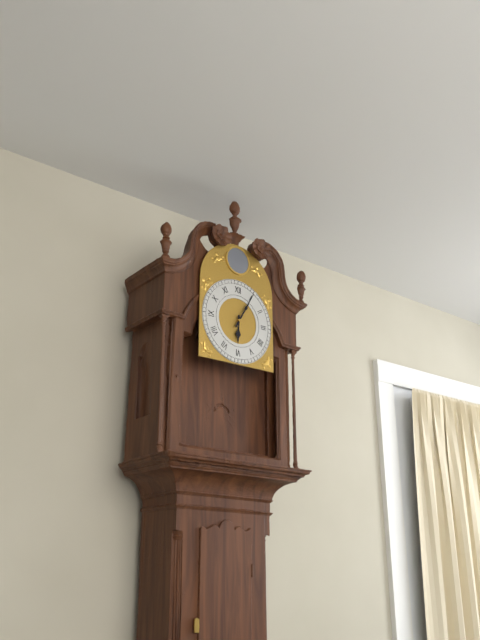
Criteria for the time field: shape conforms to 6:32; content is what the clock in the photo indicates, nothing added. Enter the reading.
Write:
6:05
